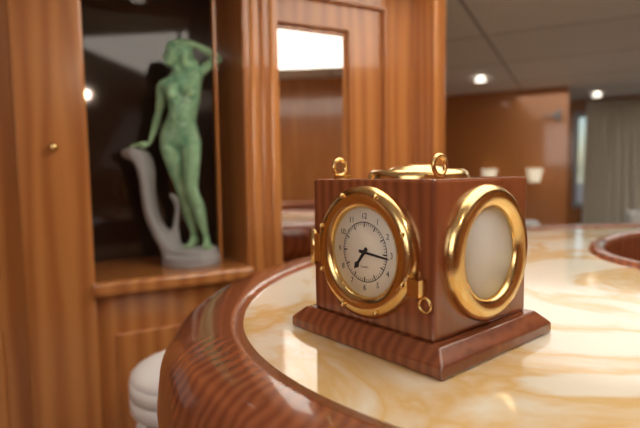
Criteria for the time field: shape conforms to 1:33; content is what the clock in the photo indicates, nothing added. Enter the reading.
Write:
7:16
